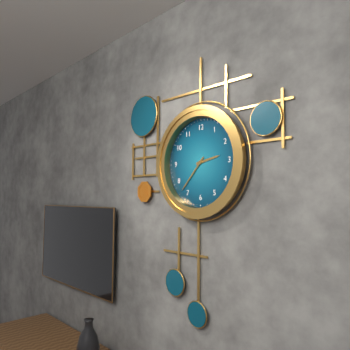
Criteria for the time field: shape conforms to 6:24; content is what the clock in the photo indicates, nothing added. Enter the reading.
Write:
2:37
